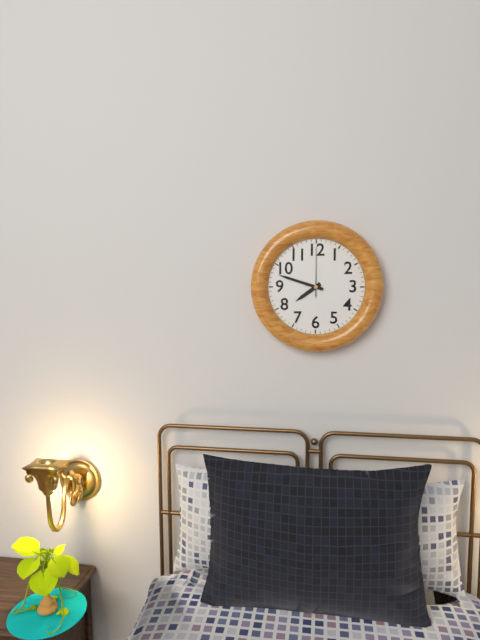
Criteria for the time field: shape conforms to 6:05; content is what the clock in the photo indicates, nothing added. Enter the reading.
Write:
7:48
